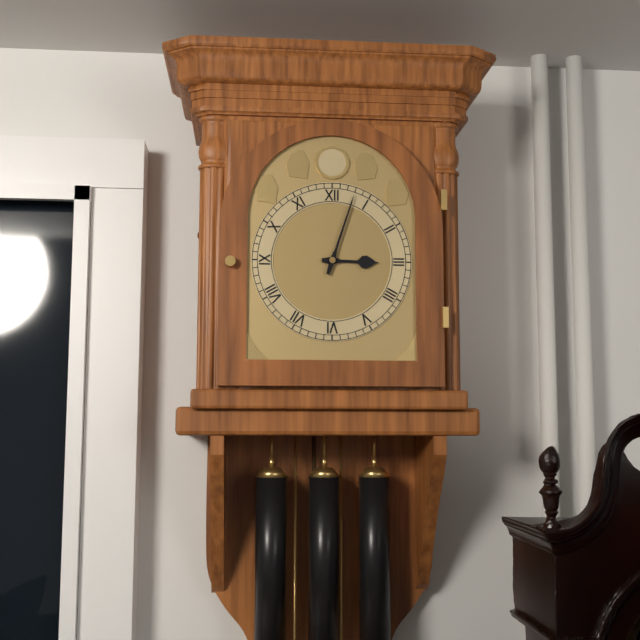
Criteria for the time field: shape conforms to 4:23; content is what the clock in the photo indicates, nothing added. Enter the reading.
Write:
3:03
